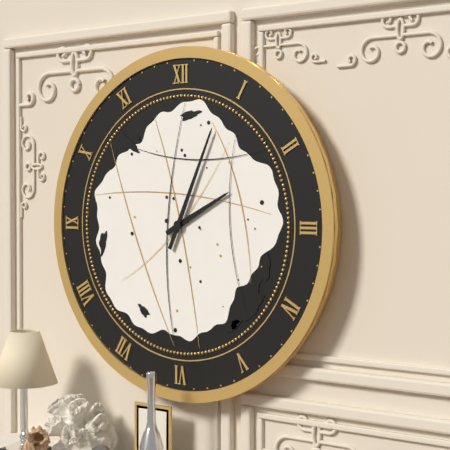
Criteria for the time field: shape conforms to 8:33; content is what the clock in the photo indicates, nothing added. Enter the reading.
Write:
2:04
